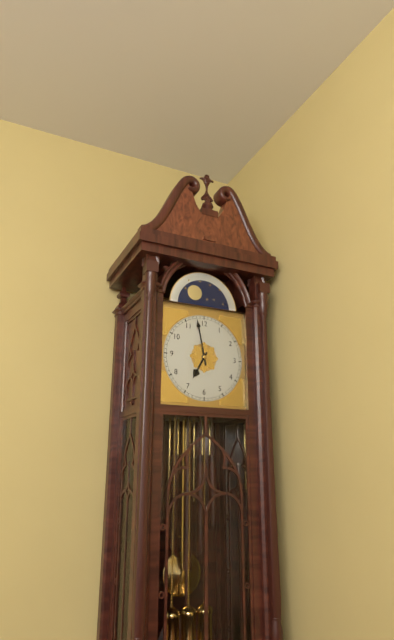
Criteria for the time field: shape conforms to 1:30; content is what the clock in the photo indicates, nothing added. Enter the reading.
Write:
6:58
